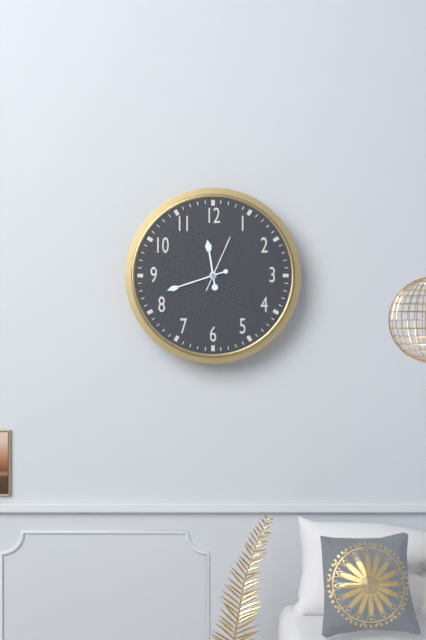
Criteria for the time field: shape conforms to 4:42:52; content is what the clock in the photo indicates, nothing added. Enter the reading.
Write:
11:42:04
